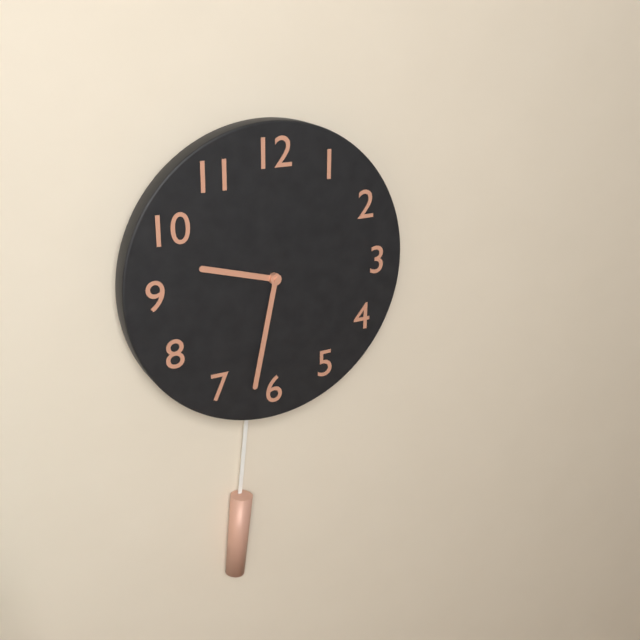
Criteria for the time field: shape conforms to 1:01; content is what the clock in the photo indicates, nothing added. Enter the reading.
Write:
9:32
